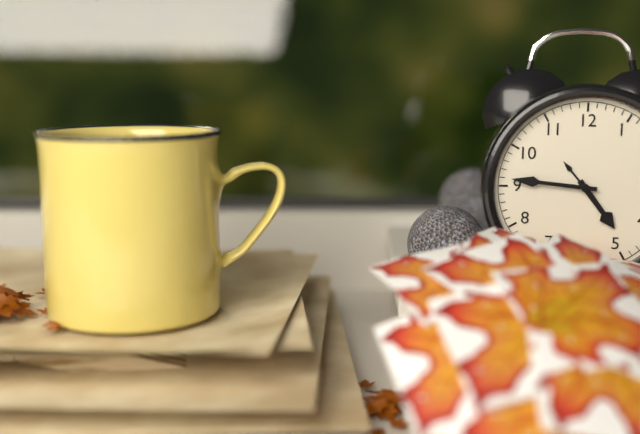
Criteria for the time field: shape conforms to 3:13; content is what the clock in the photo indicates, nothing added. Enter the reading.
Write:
4:46
